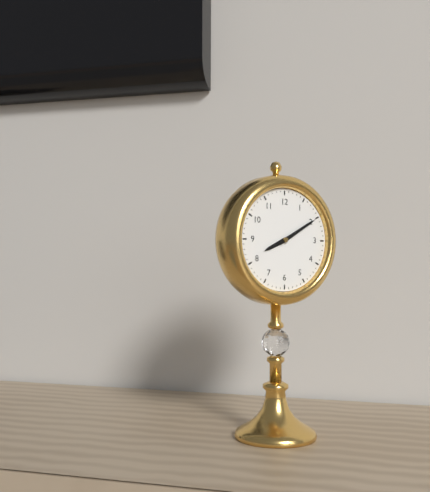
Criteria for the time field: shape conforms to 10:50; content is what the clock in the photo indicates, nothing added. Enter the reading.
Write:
8:10
